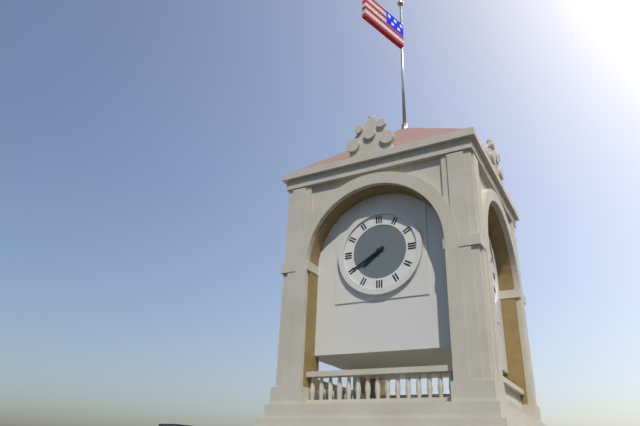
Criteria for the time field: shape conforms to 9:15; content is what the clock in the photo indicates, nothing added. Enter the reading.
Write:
7:40
